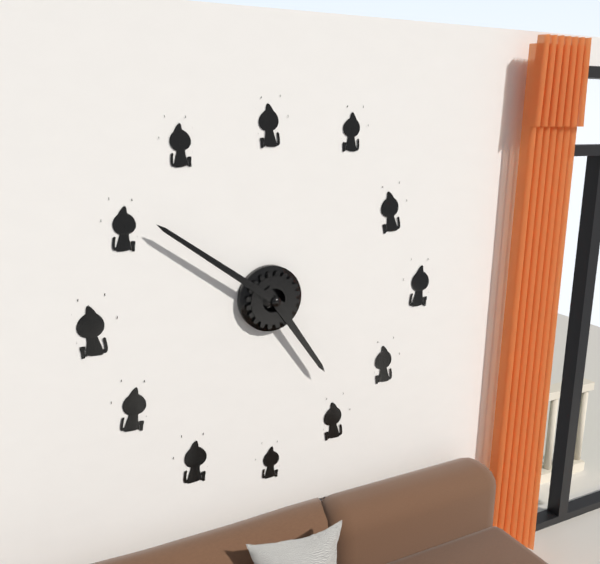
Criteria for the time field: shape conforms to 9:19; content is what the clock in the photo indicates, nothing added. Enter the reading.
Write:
4:51
